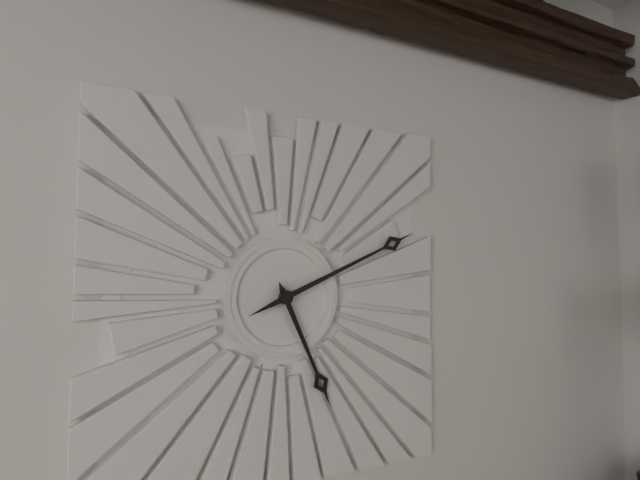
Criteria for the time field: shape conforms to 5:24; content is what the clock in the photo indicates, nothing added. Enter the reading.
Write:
5:11
